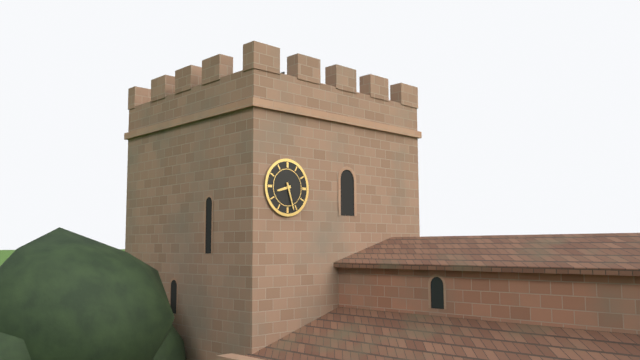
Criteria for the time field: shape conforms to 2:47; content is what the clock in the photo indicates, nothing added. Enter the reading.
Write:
8:27
